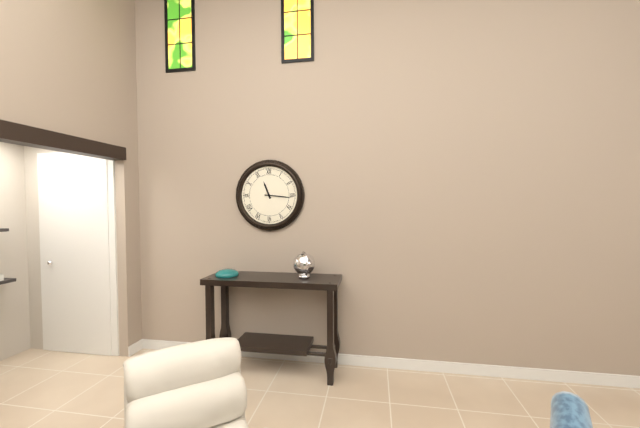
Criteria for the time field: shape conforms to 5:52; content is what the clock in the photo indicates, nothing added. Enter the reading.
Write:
11:16
